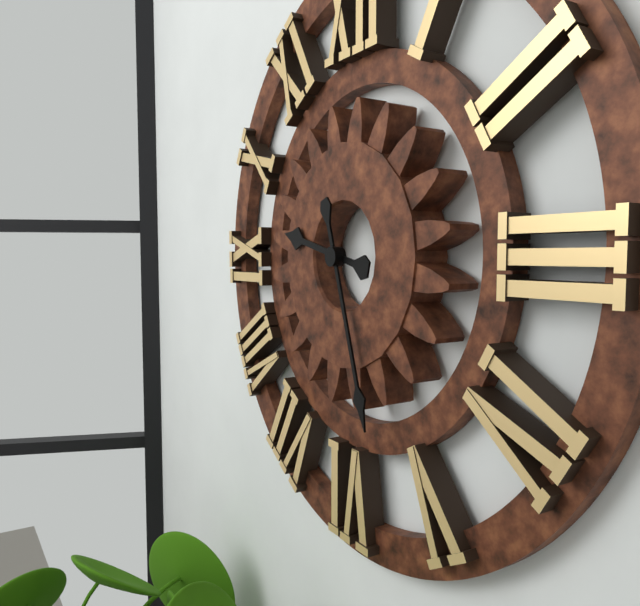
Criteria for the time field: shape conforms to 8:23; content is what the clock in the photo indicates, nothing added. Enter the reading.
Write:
9:27
